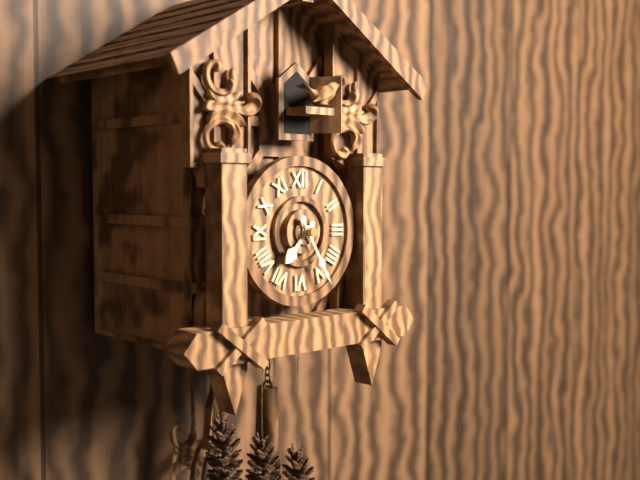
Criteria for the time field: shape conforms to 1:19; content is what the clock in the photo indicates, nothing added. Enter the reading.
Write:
7:25
